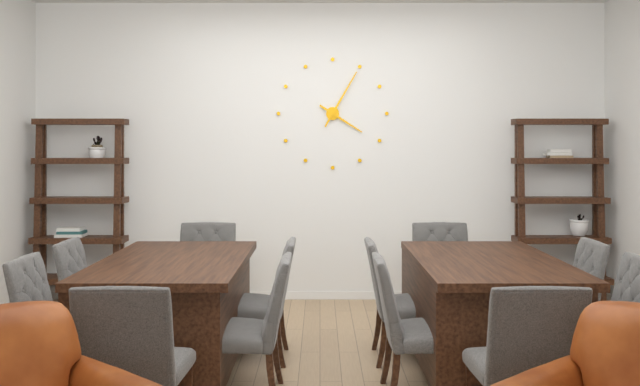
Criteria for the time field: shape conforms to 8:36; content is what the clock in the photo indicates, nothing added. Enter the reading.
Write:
4:05
